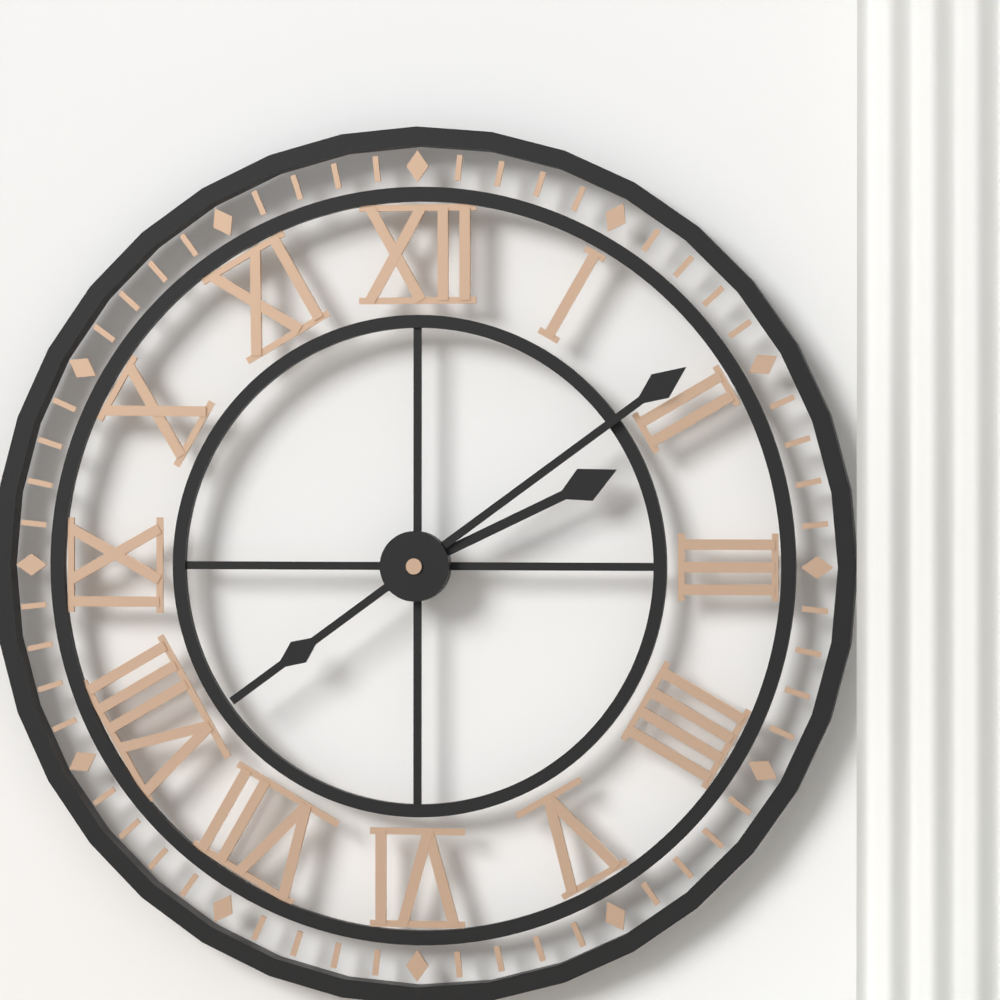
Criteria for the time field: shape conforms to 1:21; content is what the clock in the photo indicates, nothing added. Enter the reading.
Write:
2:09
